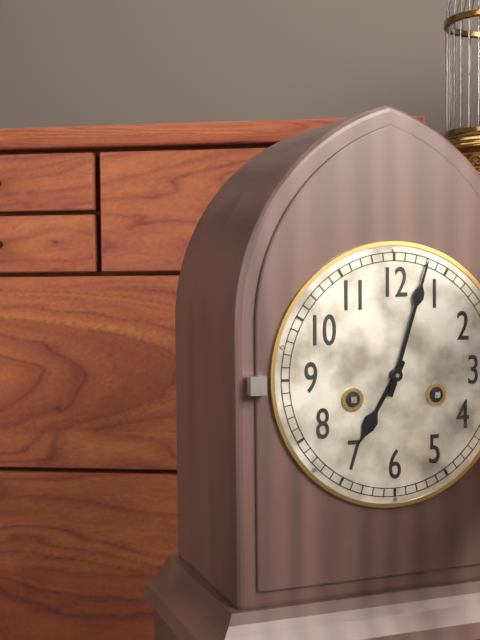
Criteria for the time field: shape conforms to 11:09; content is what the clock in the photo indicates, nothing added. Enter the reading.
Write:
7:03
